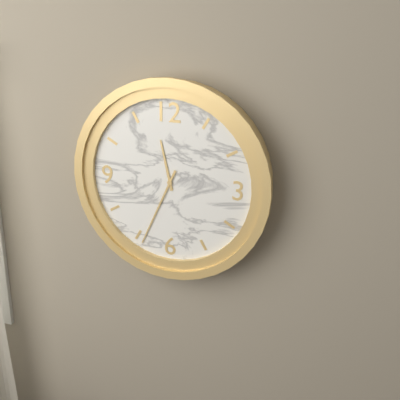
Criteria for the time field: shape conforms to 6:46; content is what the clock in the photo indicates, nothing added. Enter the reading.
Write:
11:34
